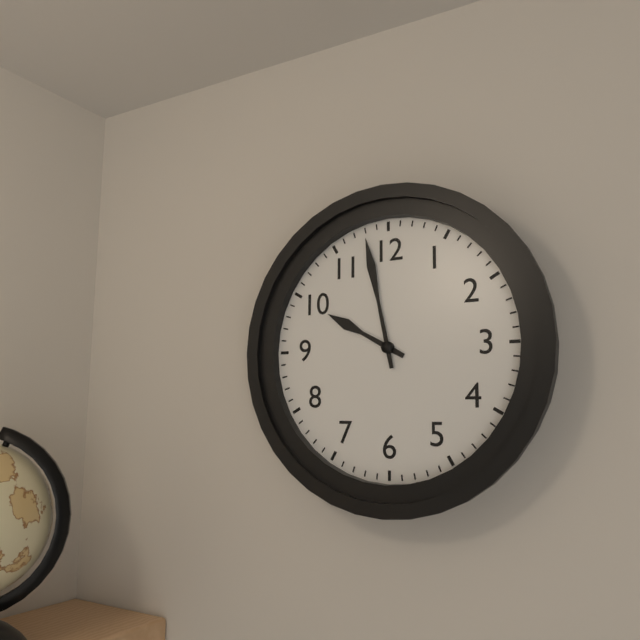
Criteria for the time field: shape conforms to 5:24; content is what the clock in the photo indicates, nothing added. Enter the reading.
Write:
9:58
